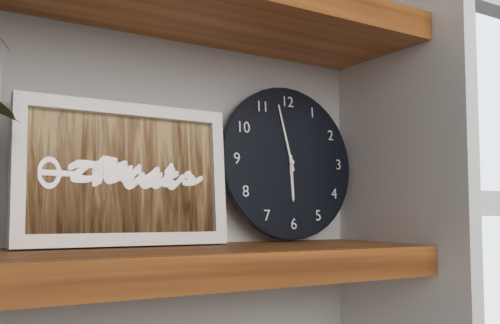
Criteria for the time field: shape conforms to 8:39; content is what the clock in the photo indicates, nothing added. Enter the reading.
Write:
5:58
